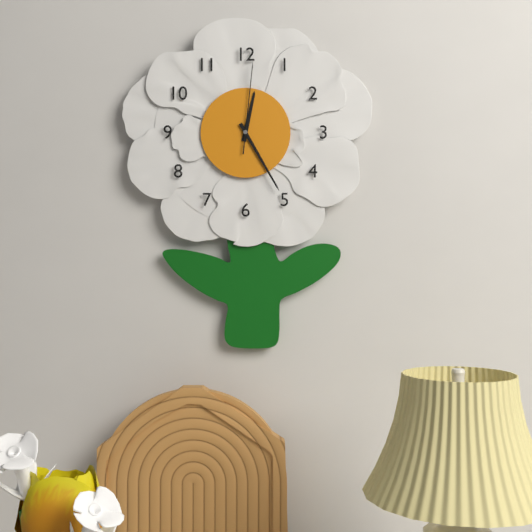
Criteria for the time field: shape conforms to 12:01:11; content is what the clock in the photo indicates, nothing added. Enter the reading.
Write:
12:25:01
